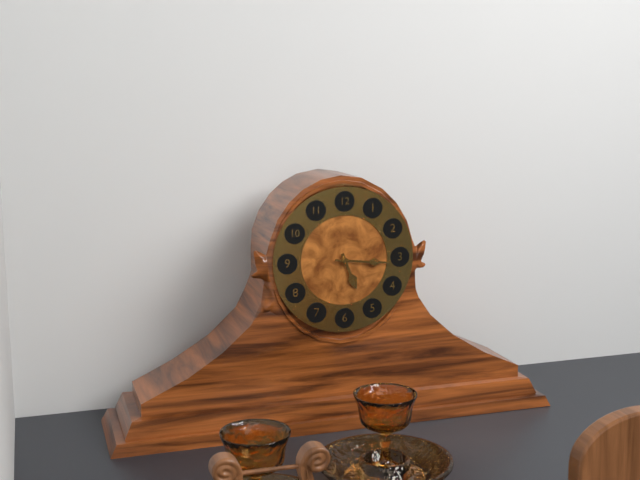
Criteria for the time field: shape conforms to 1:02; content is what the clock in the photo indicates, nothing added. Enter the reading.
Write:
5:16
